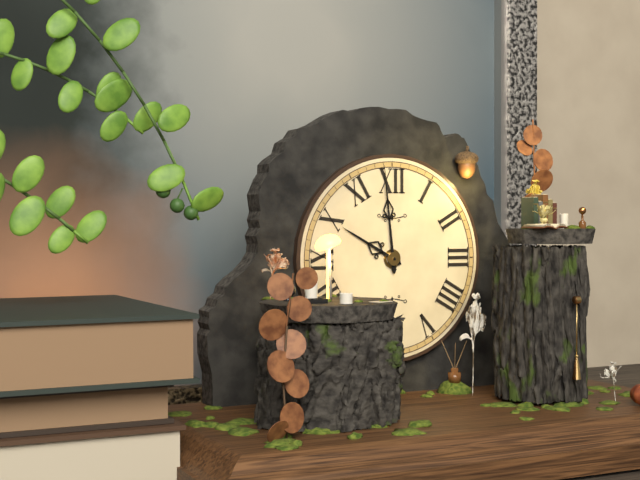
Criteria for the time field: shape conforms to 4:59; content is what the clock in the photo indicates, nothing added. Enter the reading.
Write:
9:59
